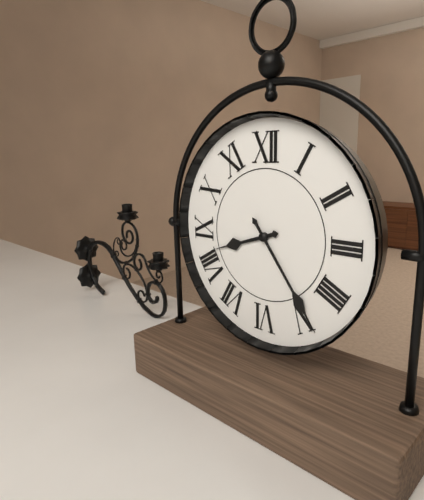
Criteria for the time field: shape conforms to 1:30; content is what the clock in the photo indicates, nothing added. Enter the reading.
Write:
8:24
